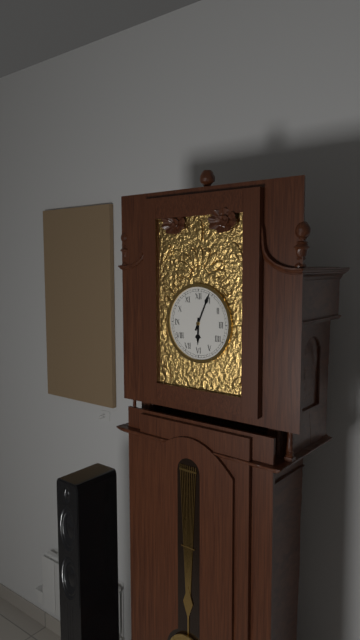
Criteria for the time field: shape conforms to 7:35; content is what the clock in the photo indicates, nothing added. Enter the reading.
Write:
6:04
